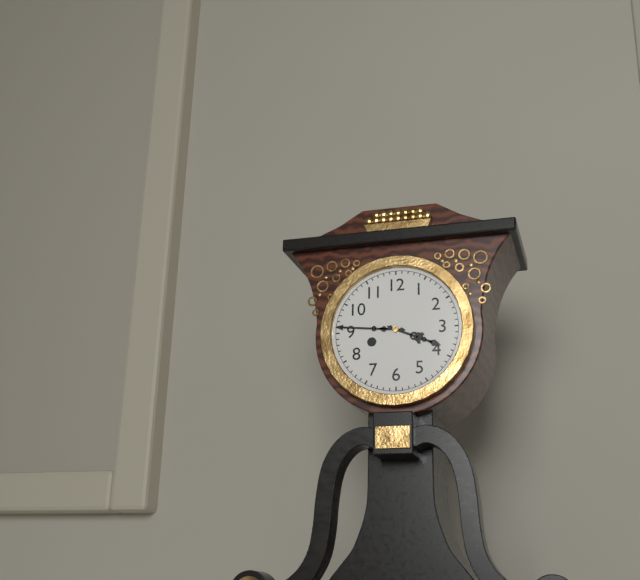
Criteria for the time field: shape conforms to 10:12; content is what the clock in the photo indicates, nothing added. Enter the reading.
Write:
3:46
